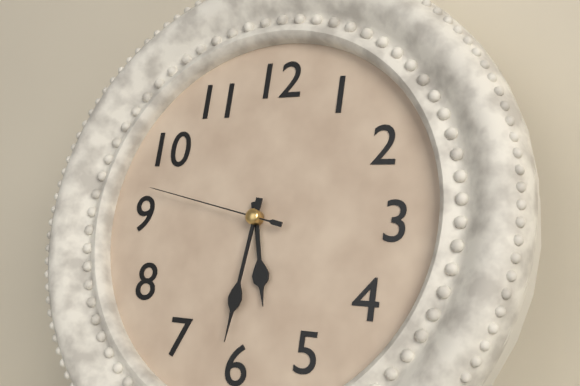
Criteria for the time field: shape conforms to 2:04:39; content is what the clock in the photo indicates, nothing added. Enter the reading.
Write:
5:31:47
